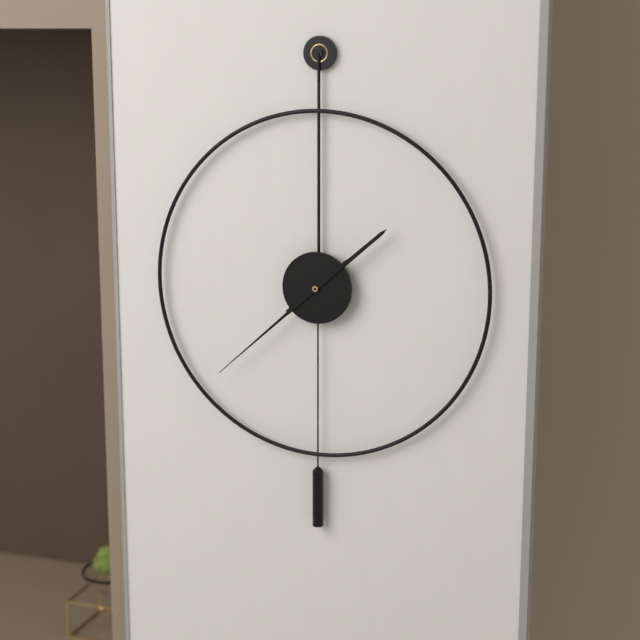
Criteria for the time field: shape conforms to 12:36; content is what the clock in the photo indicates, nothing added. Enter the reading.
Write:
1:38
